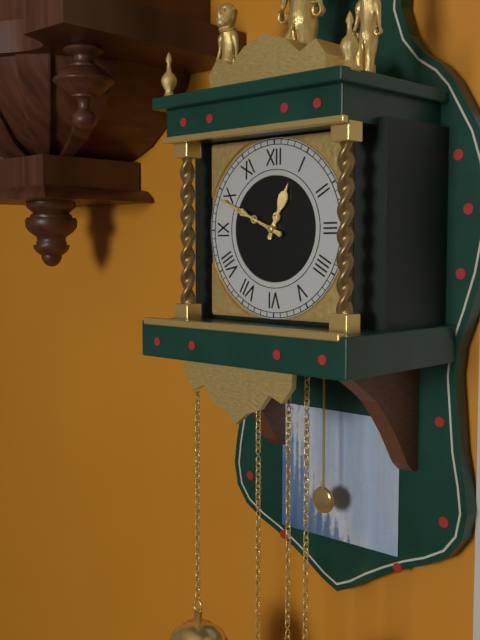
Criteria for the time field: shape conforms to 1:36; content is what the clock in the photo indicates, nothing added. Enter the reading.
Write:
12:49
